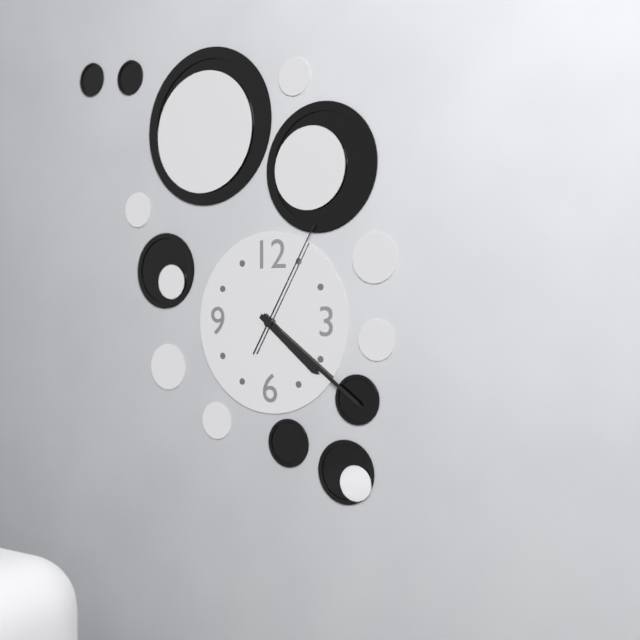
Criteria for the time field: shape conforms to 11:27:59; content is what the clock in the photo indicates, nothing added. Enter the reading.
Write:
4:21:05
